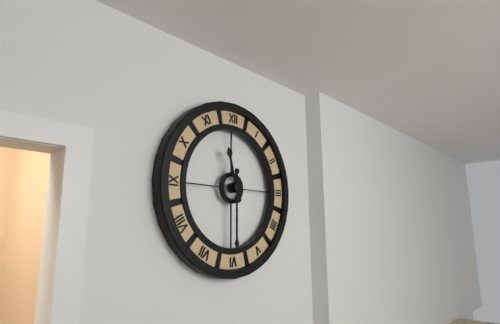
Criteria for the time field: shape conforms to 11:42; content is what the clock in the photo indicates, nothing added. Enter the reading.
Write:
11:30
